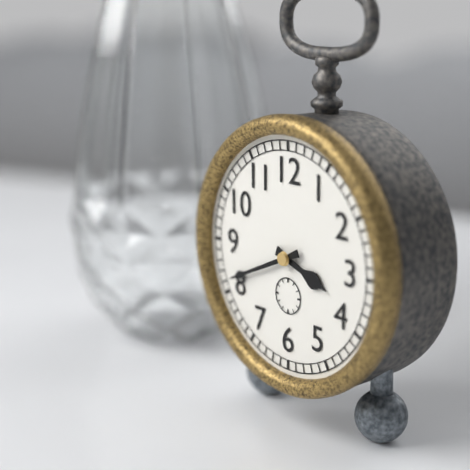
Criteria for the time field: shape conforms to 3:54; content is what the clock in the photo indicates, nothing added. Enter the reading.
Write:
3:41
